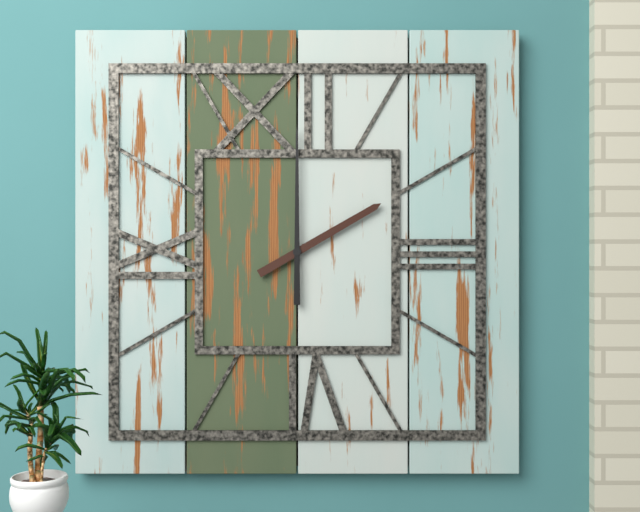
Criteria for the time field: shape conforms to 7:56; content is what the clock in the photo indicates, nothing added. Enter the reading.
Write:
2:00
